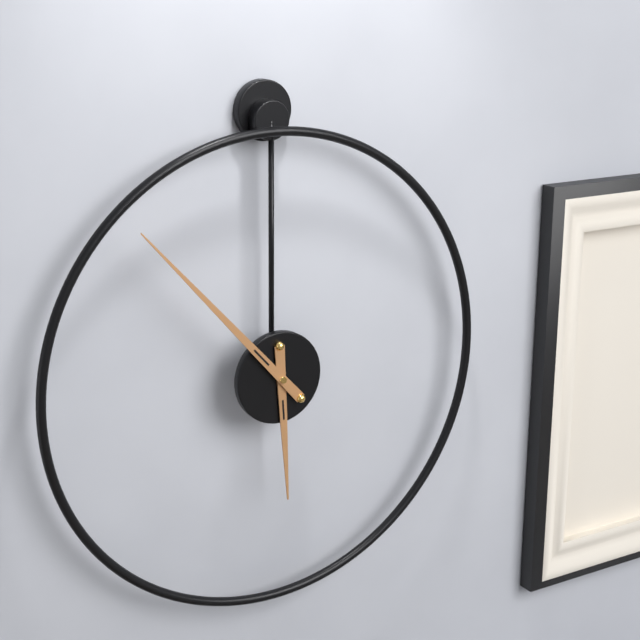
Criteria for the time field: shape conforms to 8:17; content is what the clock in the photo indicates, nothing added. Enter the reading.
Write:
5:53
